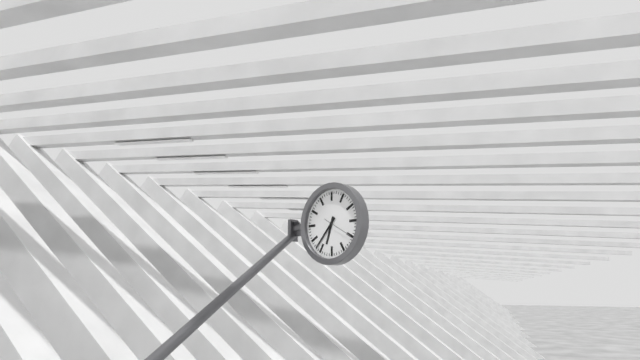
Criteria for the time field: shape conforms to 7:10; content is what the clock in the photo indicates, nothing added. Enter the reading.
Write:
6:37
